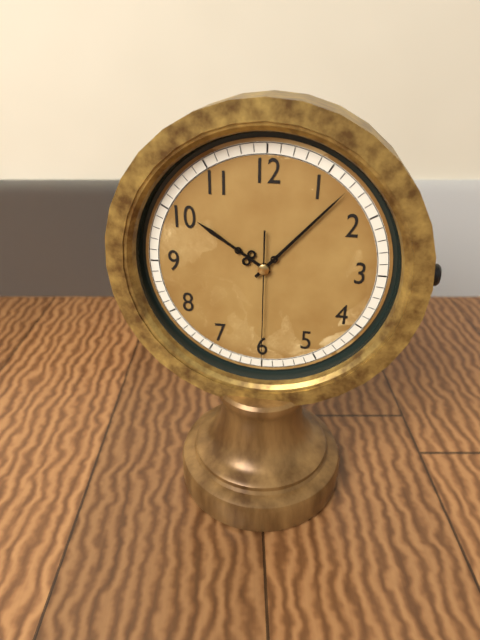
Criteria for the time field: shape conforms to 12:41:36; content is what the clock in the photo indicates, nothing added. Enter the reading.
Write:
10:07:30
